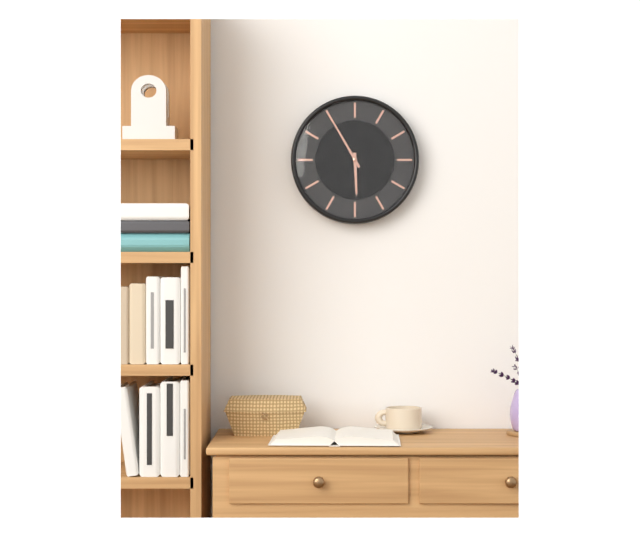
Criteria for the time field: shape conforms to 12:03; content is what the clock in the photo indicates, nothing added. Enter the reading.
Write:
5:55
